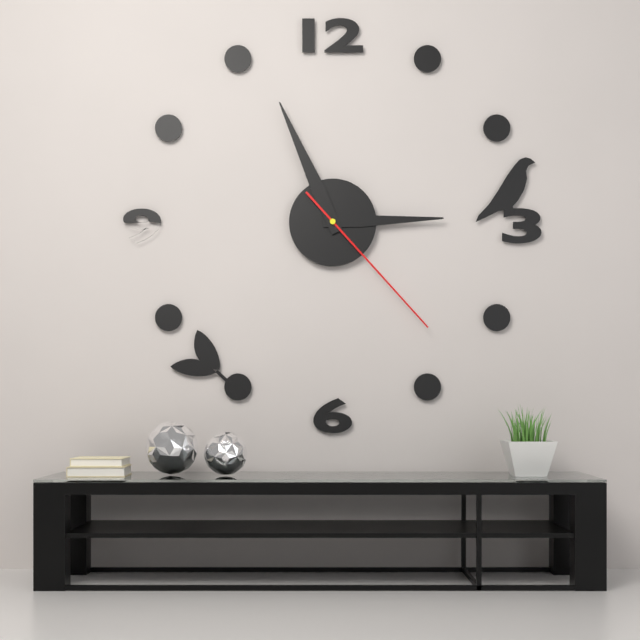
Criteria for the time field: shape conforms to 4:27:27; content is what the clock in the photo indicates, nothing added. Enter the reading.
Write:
2:56:23
